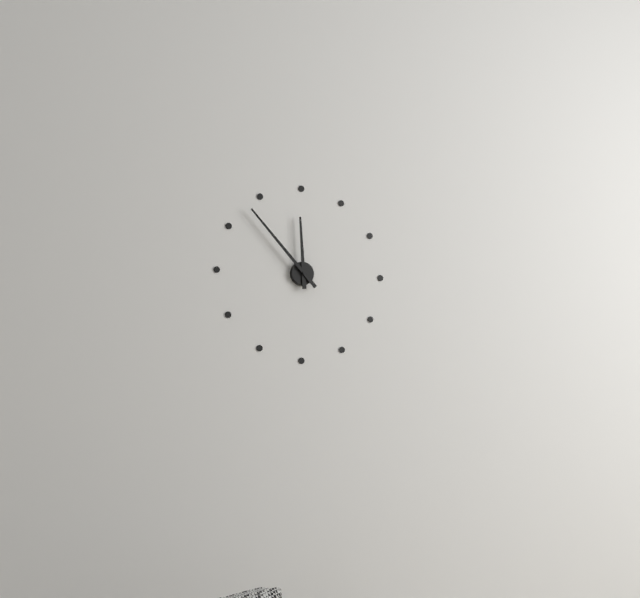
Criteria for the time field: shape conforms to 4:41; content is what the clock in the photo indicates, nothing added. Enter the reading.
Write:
11:53
